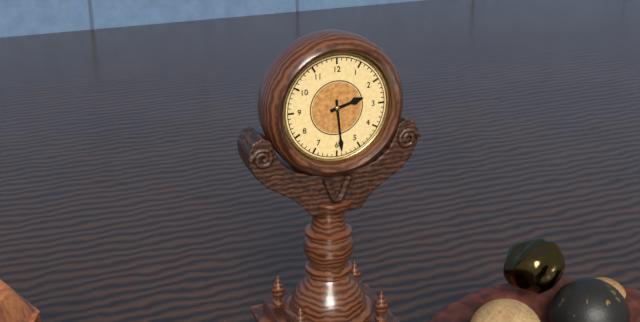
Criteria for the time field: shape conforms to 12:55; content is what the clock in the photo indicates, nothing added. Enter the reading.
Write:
2:29
